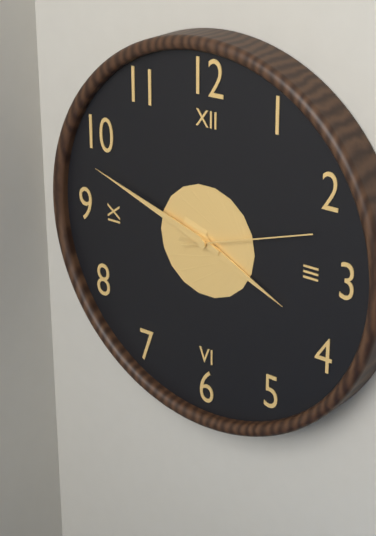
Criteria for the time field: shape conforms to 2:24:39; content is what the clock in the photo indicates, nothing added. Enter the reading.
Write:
3:48:12
